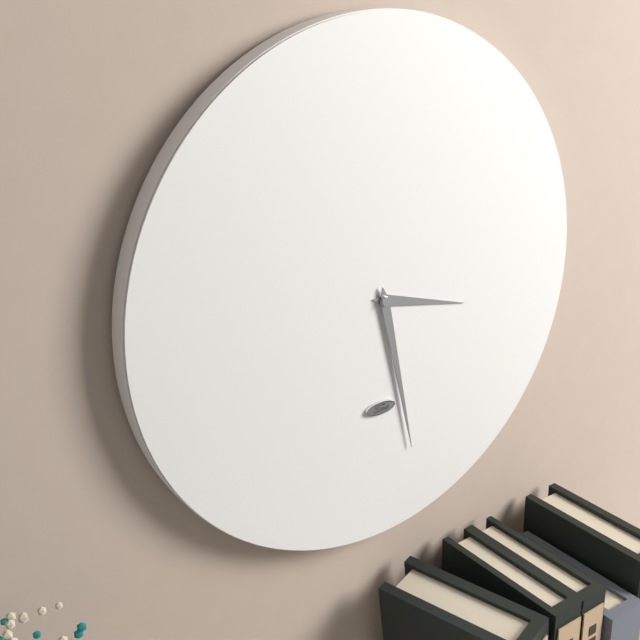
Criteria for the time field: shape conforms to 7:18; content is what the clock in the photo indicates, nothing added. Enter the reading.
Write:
3:28
